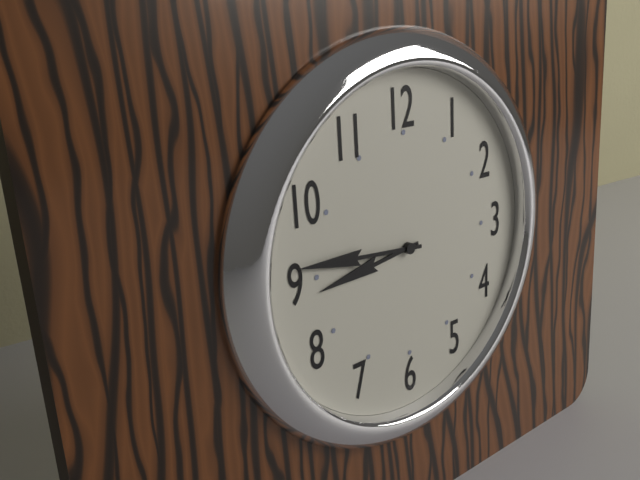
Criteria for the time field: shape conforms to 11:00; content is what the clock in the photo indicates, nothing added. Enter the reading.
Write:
8:46
